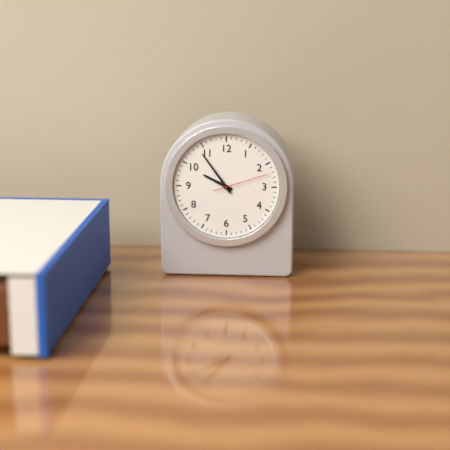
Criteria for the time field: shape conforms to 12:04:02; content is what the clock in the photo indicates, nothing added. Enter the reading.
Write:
9:54:12
